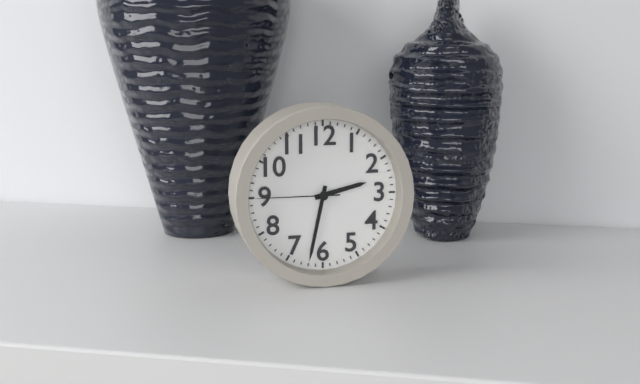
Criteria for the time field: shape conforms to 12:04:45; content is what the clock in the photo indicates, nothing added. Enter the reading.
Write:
2:32:45
